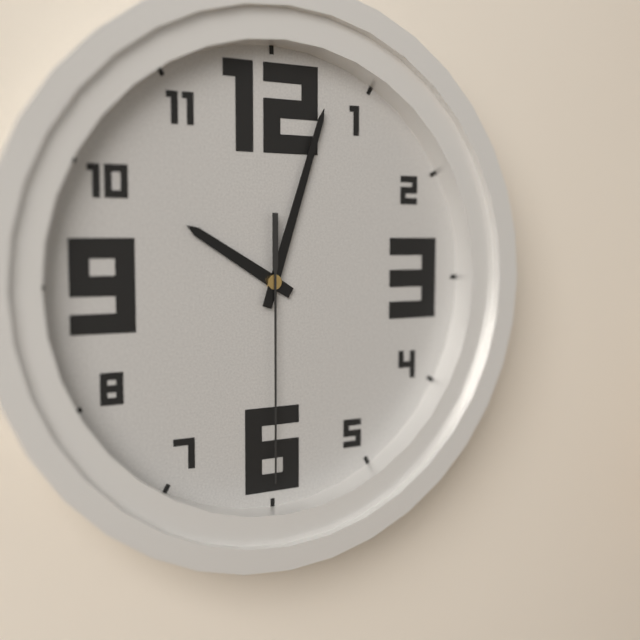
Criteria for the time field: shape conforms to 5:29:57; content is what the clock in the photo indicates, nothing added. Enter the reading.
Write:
10:03:30
